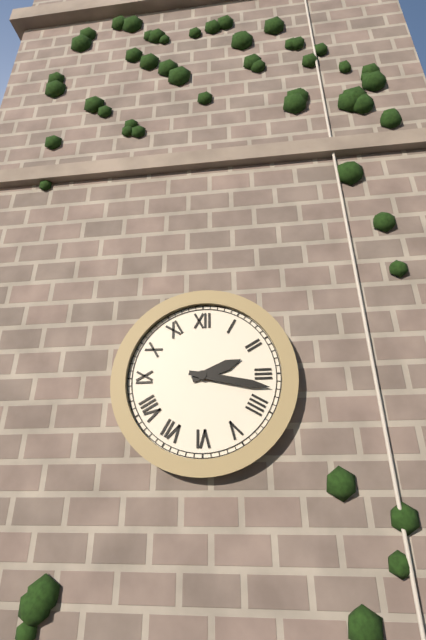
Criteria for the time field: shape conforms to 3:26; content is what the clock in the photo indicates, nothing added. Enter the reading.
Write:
2:17
